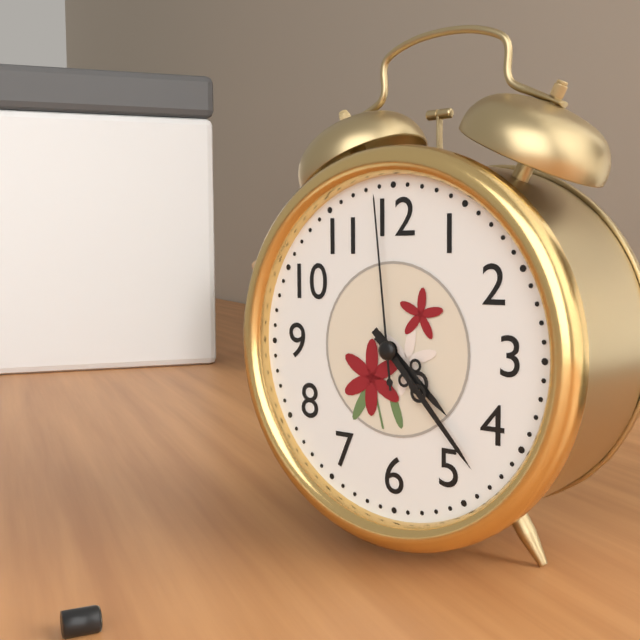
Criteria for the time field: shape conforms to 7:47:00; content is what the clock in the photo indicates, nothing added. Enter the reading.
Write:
4:23:59
